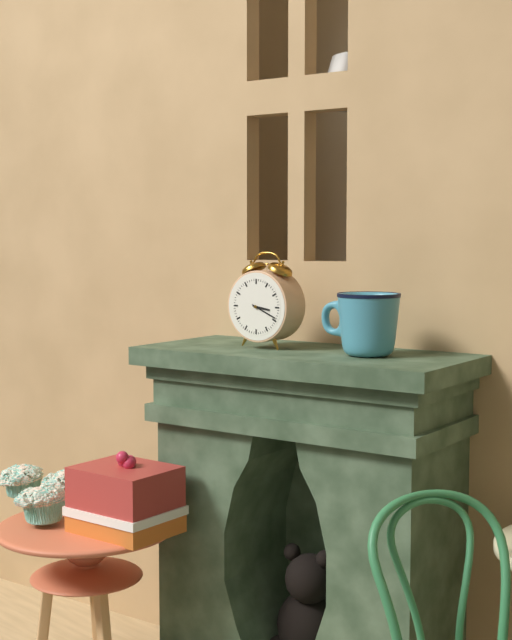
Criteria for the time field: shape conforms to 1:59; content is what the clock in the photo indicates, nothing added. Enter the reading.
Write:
3:19
